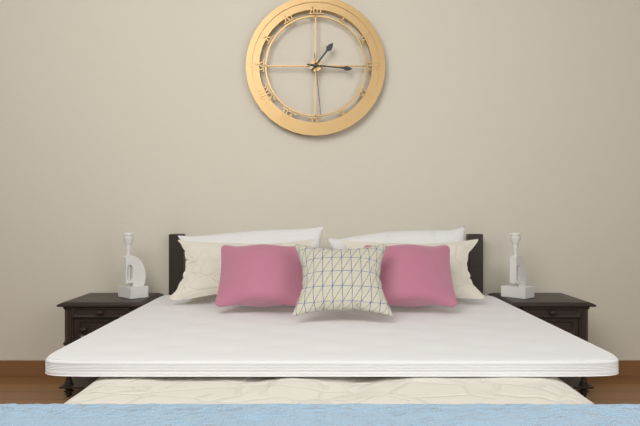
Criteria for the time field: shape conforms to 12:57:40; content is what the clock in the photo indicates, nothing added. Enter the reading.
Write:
1:16:29
